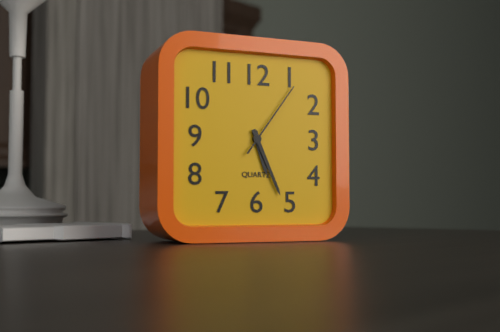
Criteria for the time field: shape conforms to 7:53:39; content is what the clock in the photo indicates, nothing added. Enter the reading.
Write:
5:26:06
